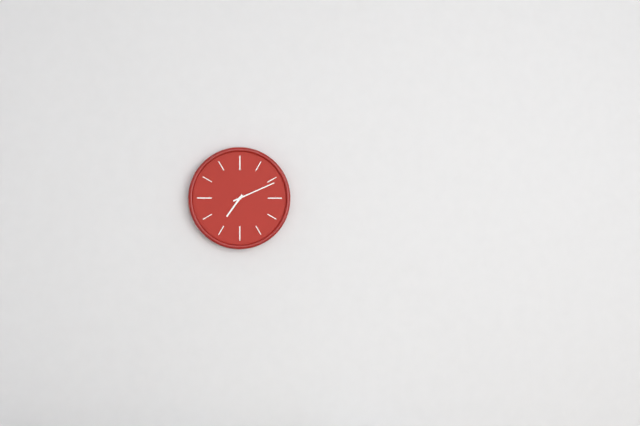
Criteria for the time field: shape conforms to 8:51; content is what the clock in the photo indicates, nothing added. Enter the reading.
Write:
7:11
